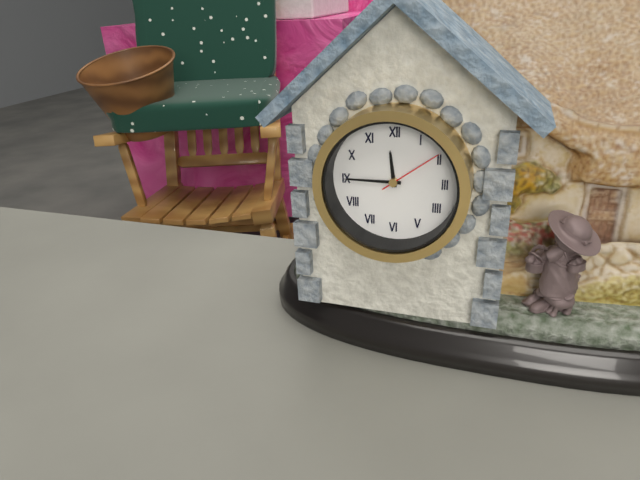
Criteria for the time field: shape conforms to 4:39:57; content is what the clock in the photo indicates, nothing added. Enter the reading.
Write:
11:45:09
